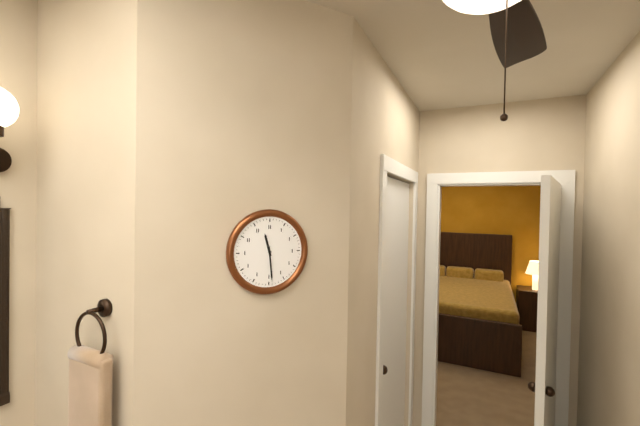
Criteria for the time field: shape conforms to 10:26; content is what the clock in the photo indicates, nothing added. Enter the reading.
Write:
11:29
